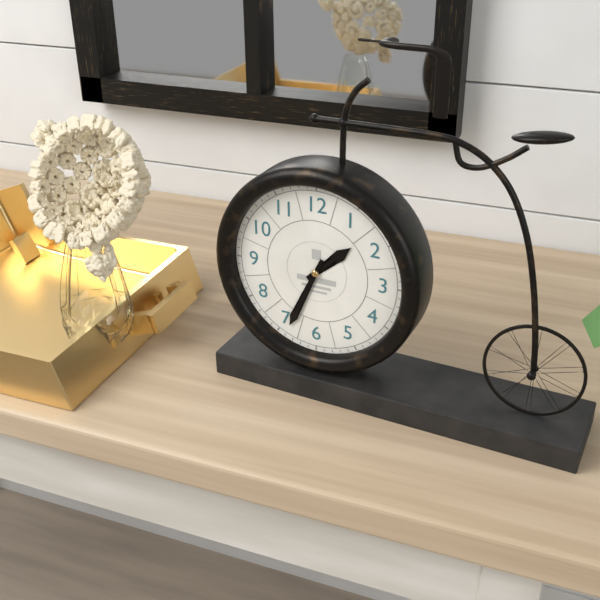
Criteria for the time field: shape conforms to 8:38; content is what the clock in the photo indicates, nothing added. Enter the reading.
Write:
1:34
